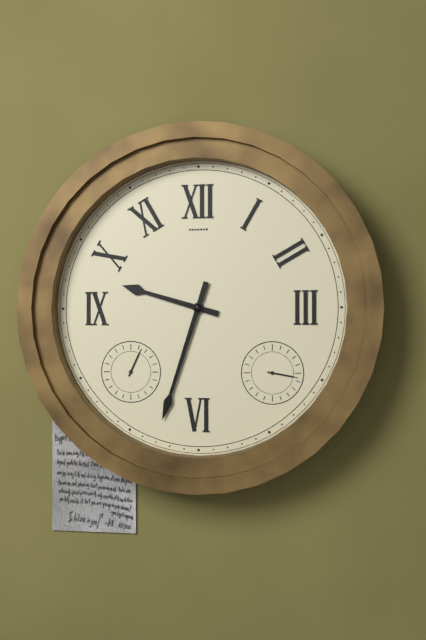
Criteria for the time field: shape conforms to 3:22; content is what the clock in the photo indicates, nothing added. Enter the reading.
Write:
9:33
